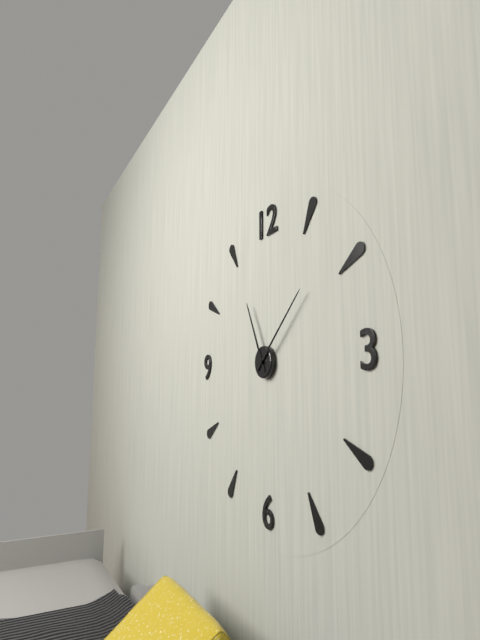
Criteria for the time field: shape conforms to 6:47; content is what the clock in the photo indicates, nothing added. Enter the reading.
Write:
11:08
